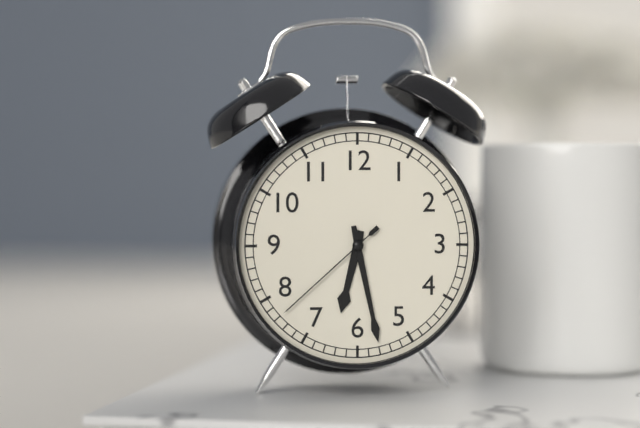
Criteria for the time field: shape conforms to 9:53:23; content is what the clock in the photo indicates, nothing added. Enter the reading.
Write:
6:28:38
